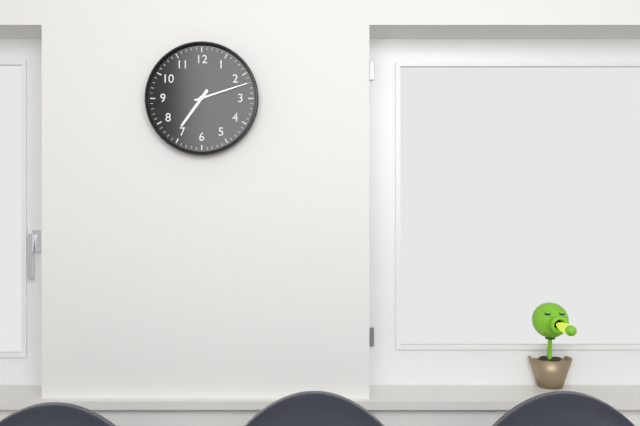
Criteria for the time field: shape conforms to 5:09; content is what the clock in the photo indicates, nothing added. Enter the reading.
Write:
7:12
